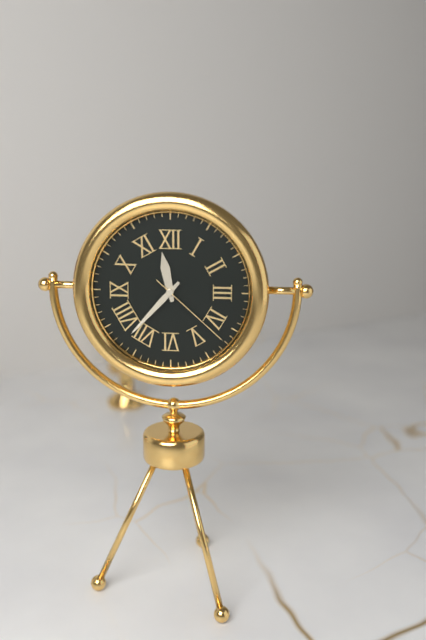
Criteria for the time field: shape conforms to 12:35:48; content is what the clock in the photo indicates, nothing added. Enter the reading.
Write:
11:37:22
